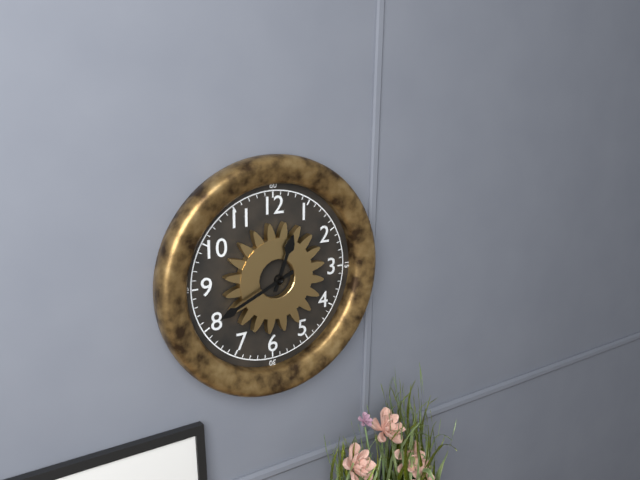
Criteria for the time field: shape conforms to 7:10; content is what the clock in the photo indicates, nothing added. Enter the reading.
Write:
12:41
